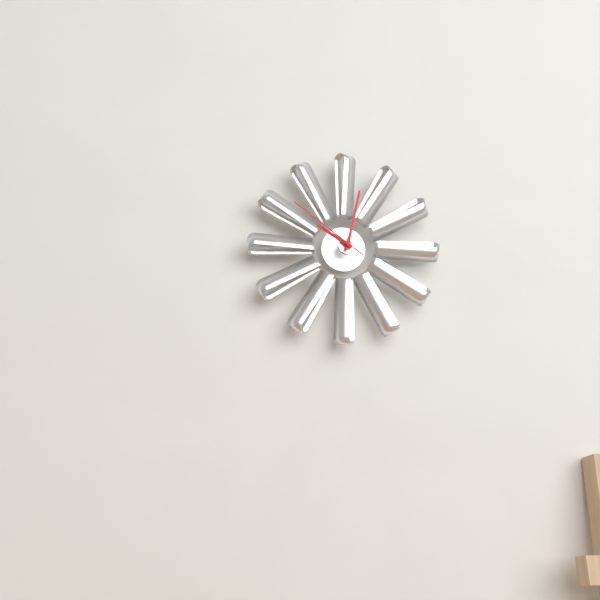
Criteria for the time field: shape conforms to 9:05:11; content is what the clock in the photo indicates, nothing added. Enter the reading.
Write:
10:02:51
